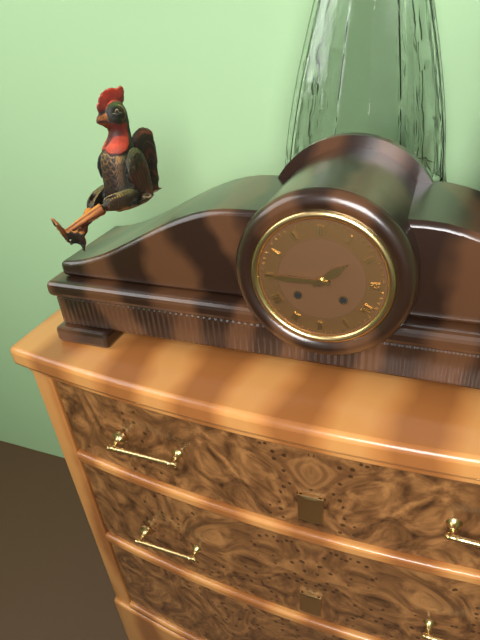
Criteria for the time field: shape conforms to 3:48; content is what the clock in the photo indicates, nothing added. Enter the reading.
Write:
1:45
